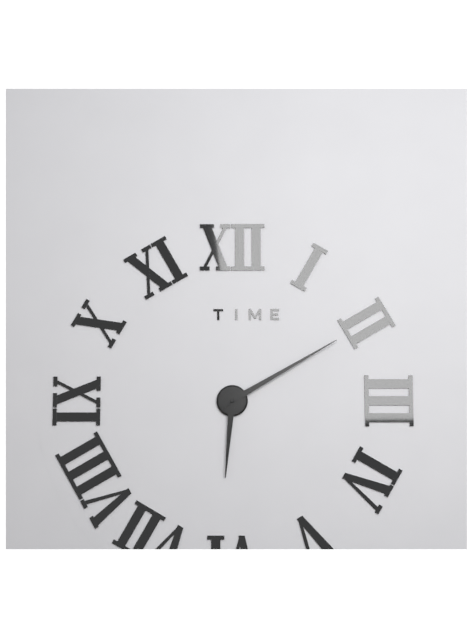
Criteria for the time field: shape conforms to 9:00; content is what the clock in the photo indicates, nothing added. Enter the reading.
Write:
6:10
